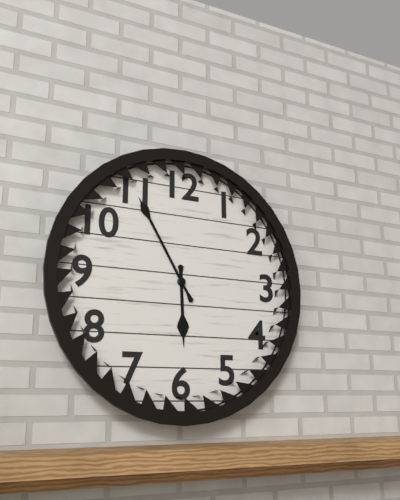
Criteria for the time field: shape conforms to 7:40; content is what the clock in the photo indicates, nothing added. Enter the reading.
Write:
5:55
